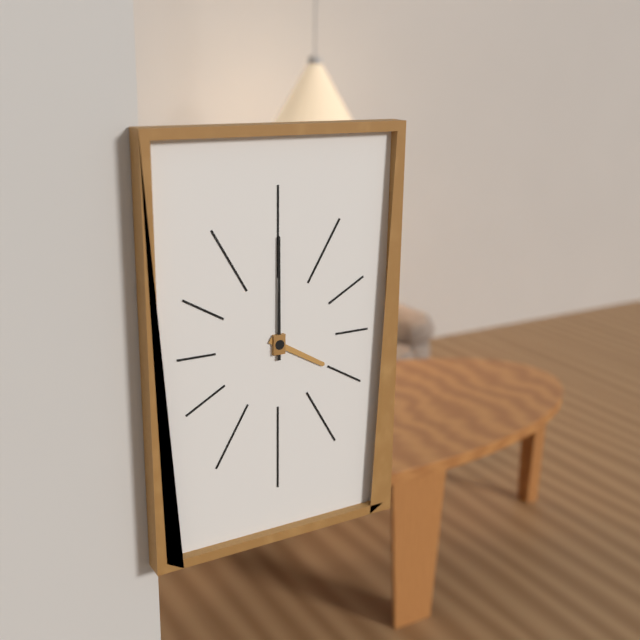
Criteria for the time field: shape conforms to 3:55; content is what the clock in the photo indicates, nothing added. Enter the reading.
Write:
4:00
